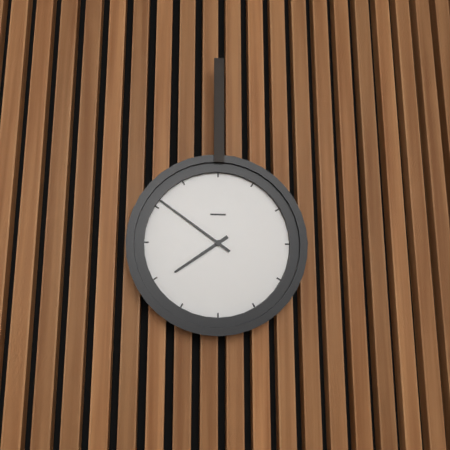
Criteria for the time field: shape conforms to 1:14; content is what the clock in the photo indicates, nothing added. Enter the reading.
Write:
7:51
